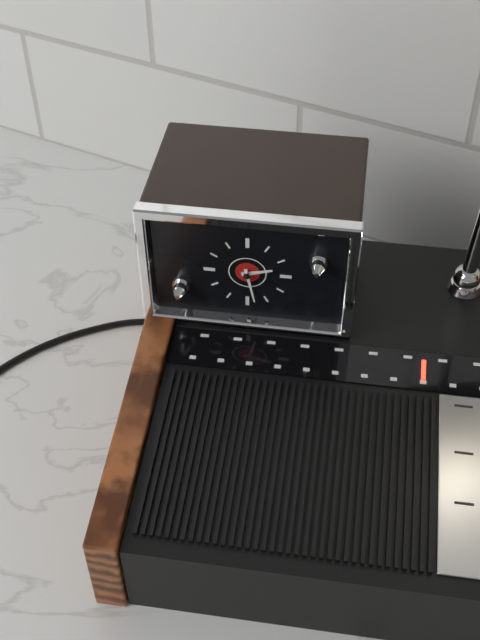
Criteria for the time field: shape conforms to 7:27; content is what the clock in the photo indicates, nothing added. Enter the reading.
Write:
2:28
